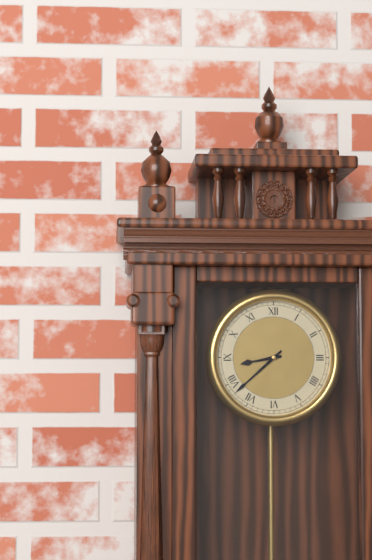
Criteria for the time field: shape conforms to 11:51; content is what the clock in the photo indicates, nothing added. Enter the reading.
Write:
8:38
